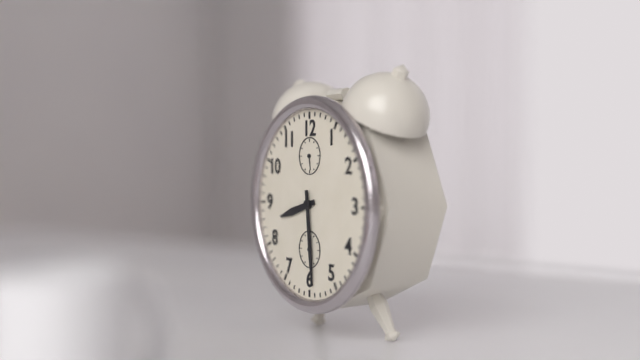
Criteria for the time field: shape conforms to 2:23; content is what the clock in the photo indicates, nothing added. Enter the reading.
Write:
8:29
